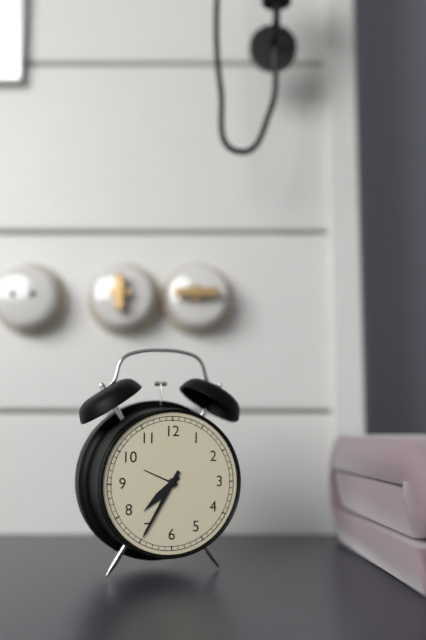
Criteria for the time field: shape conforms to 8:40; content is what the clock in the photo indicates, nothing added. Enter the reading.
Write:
7:35
